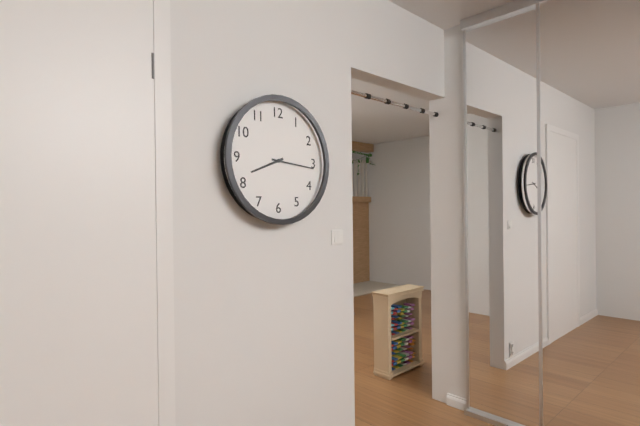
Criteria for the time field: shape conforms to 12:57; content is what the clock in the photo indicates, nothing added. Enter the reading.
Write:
8:16
